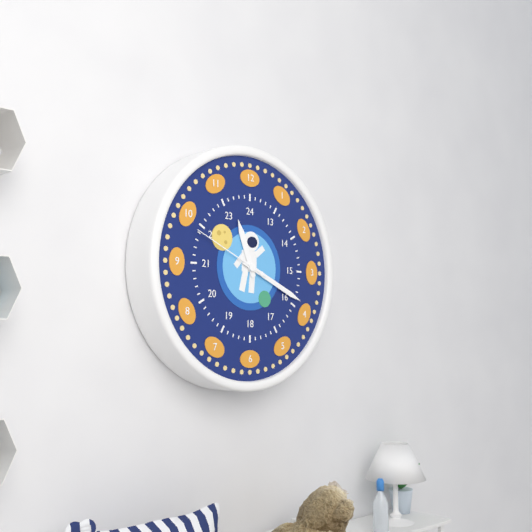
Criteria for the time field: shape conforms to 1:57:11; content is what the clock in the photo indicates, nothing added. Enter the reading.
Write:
11:19:49
